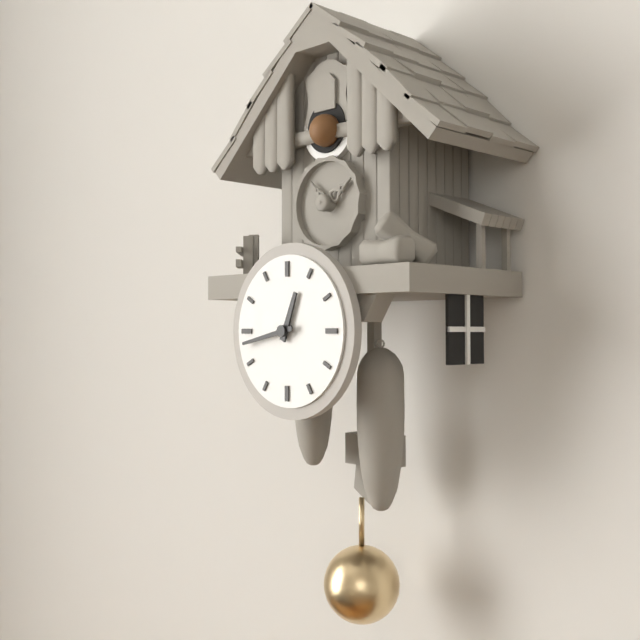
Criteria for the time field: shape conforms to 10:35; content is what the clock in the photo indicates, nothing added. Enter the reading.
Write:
12:43
